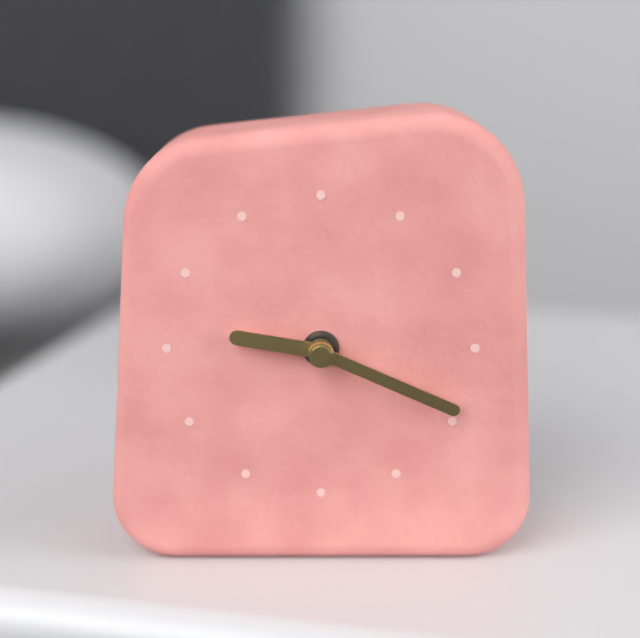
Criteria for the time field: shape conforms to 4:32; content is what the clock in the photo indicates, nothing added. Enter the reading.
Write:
9:19
